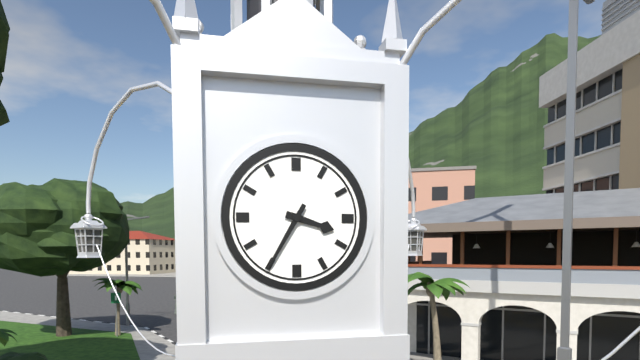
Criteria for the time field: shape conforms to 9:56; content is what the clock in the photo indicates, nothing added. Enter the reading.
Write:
3:35
